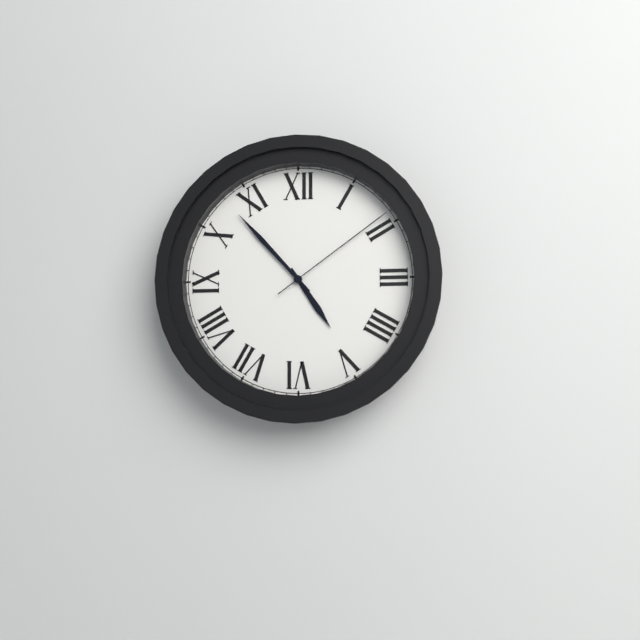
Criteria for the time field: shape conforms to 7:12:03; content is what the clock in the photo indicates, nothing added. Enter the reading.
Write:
4:53:09
